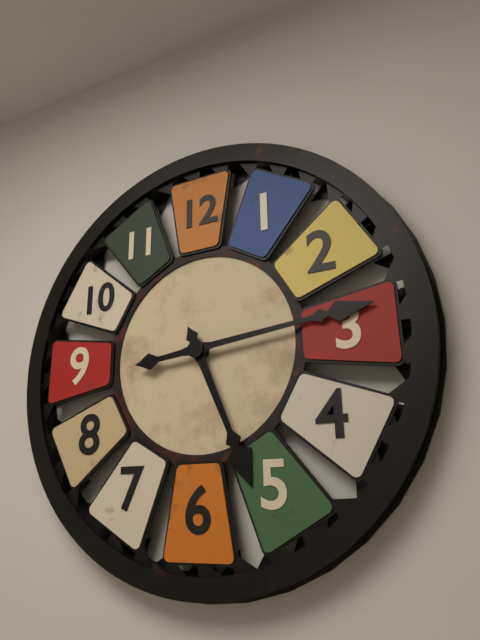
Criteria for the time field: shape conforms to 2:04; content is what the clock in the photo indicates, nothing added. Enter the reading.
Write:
5:14
